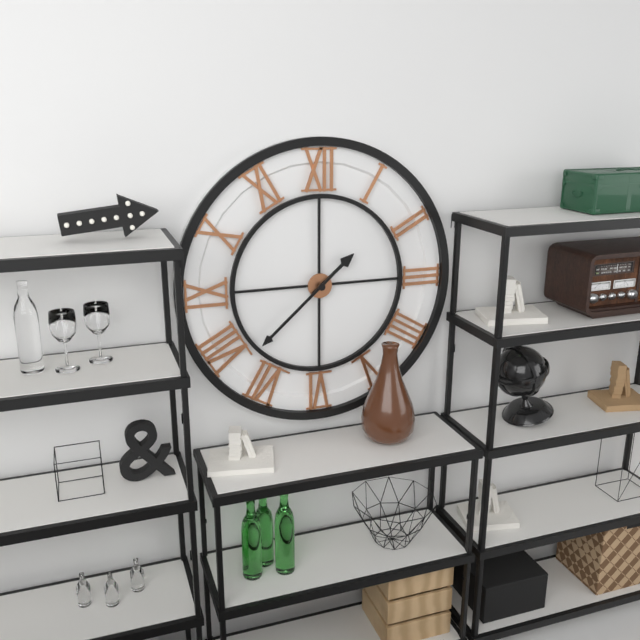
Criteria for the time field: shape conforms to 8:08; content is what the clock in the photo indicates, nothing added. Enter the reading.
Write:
1:38
